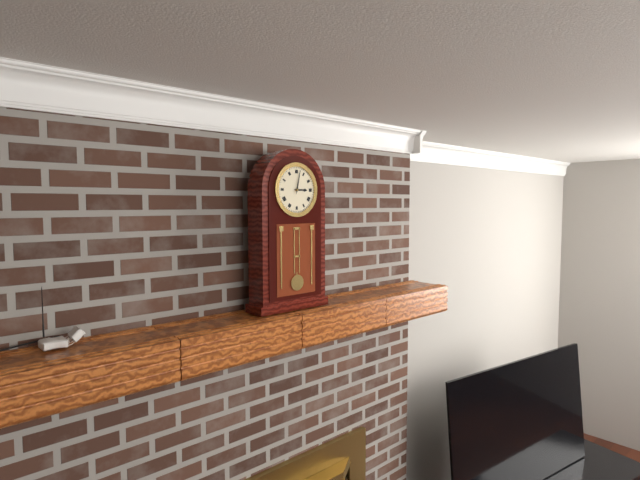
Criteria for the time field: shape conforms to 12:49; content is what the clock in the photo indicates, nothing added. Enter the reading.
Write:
3:02
